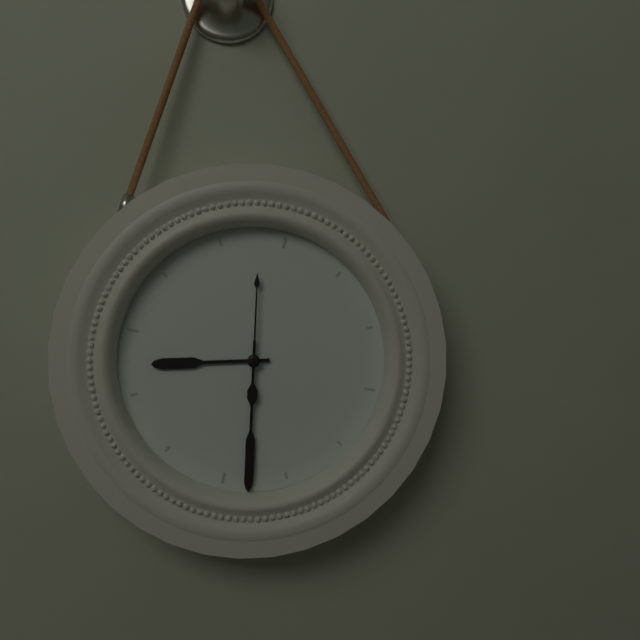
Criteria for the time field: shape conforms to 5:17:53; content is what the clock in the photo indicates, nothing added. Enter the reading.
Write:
8:28:58
